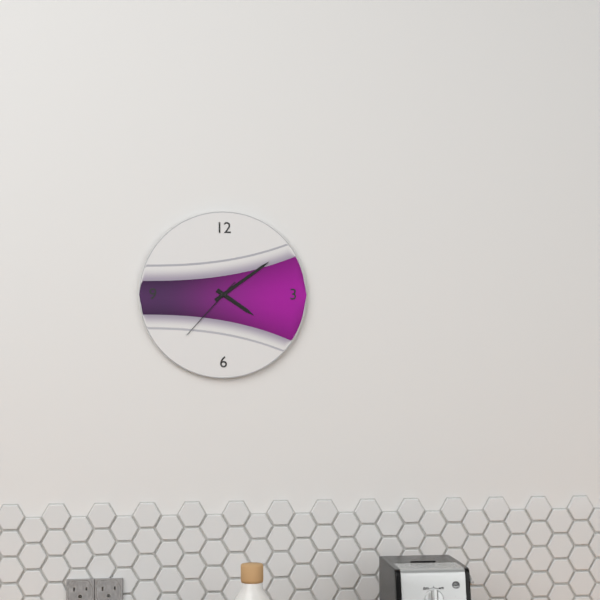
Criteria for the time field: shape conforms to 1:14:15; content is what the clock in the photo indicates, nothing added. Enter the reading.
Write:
4:09:37
